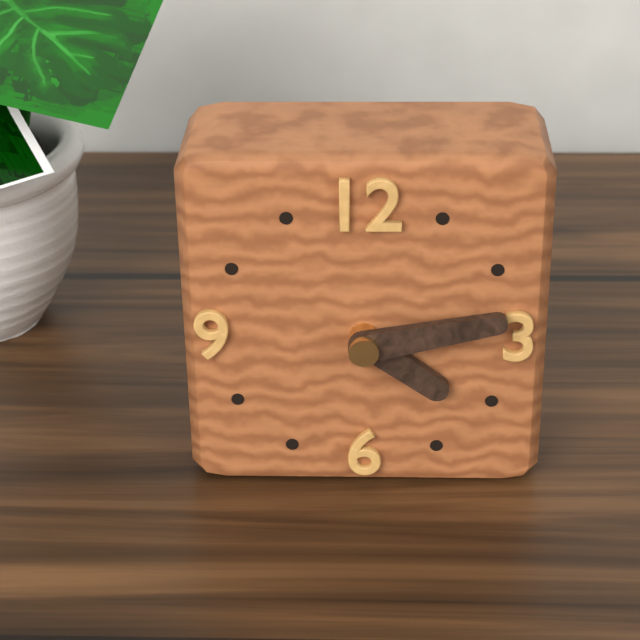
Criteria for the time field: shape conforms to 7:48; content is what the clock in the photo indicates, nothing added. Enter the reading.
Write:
4:13
